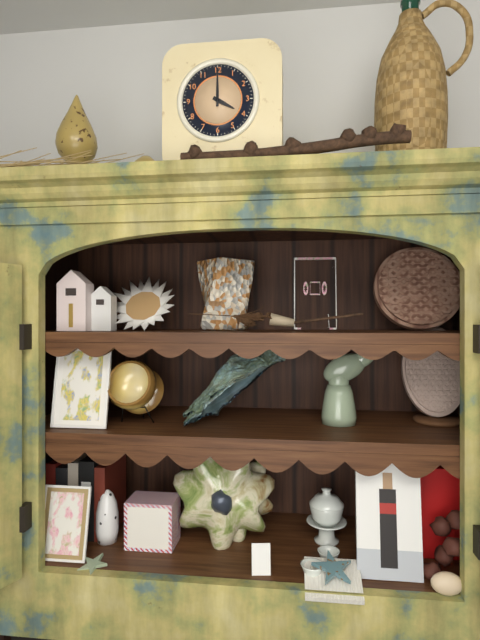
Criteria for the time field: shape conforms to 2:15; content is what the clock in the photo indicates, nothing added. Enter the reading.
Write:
4:00
